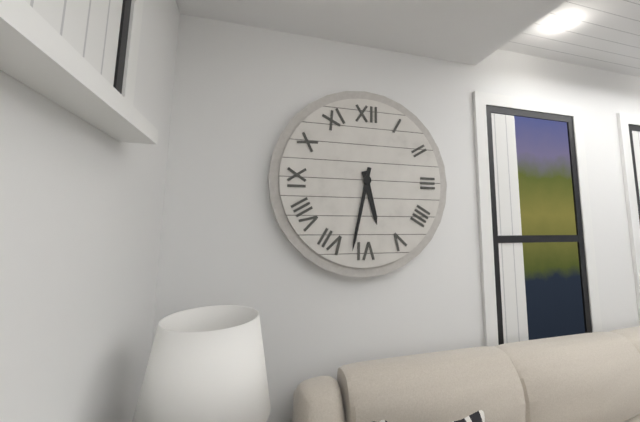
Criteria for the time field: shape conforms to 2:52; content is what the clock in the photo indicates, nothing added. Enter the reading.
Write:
5:32
